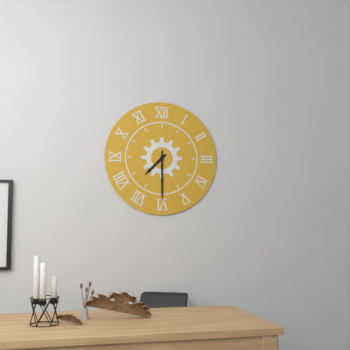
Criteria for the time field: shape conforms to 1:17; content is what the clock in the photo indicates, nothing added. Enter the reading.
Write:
7:30
